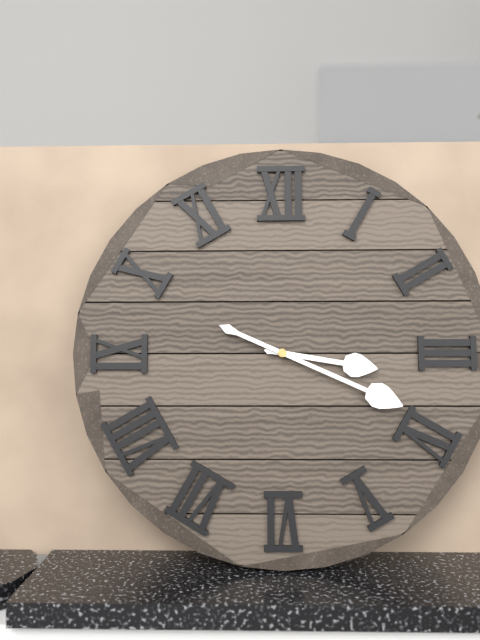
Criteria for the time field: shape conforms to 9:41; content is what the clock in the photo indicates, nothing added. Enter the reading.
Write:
3:19
